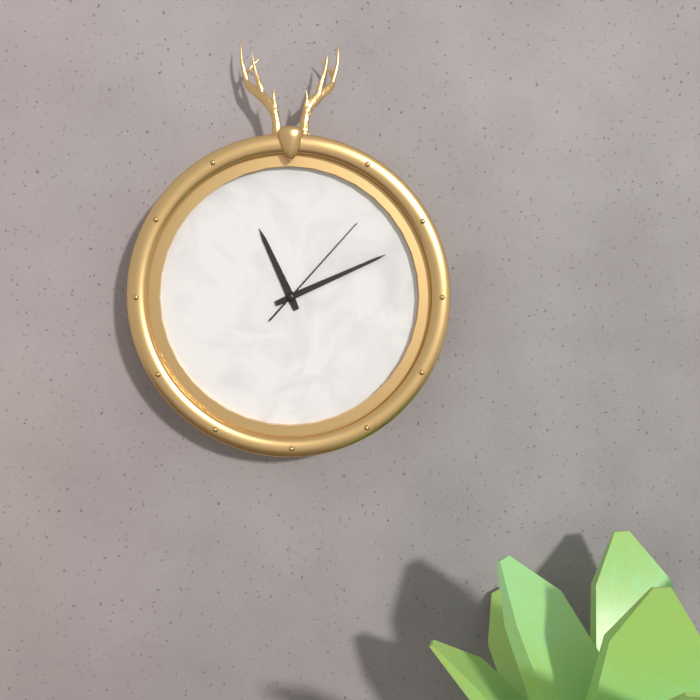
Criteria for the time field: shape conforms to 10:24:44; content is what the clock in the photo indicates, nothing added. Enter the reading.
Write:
11:11:07
